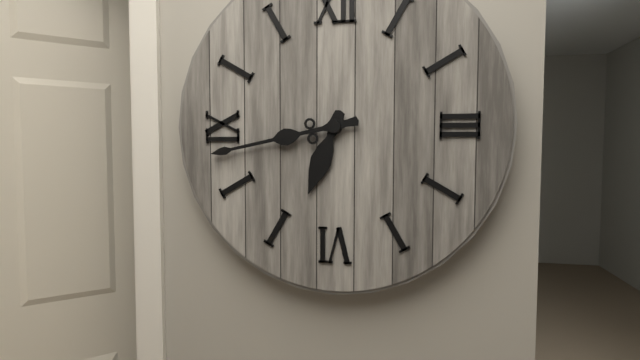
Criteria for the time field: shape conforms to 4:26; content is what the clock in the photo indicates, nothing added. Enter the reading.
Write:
6:43
